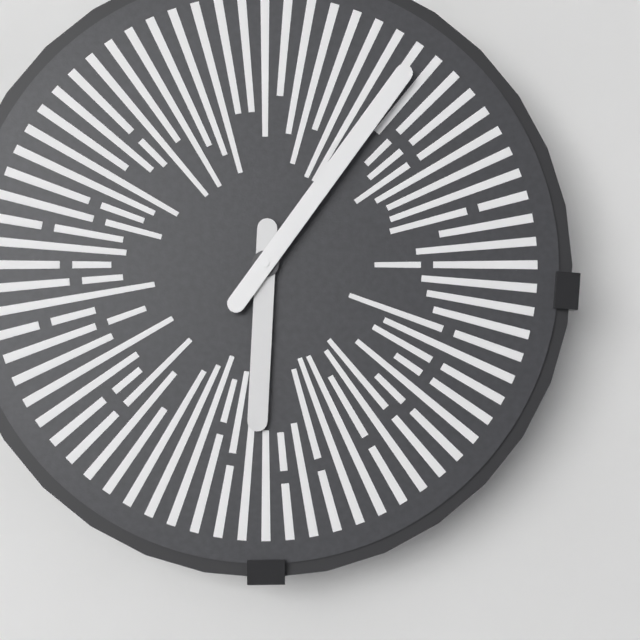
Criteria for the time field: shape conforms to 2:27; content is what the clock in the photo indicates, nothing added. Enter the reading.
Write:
6:06
